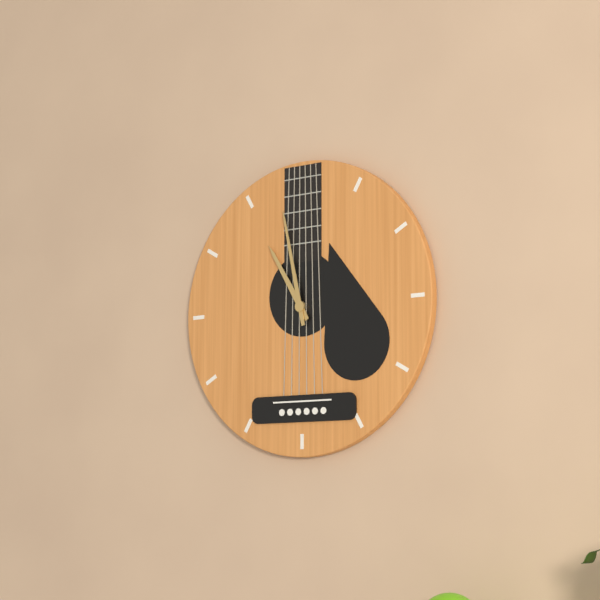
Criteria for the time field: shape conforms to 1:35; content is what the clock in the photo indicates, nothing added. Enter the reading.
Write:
10:58
